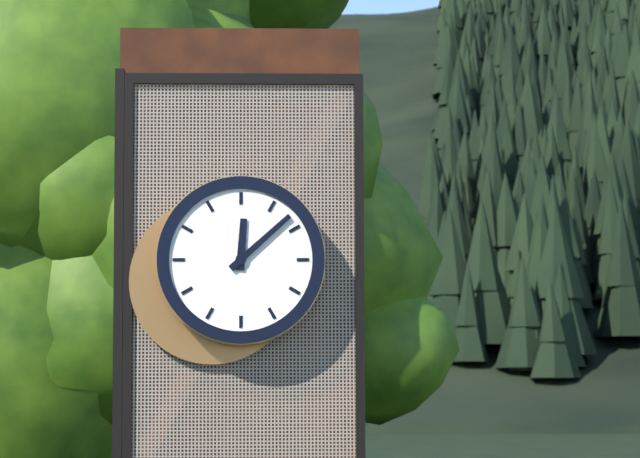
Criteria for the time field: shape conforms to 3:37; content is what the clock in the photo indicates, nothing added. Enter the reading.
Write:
12:08
